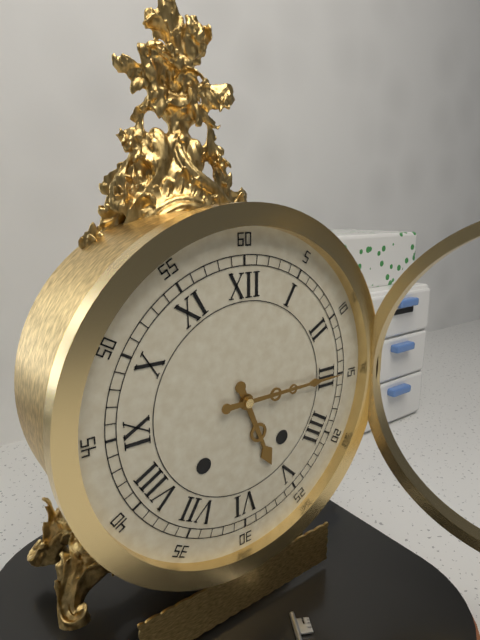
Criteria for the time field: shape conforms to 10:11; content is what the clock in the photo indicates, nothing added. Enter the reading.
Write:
5:15
